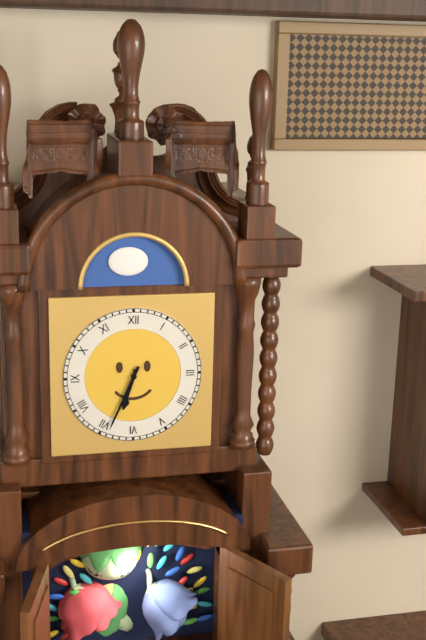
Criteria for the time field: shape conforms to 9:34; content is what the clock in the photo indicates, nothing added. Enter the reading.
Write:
6:34
